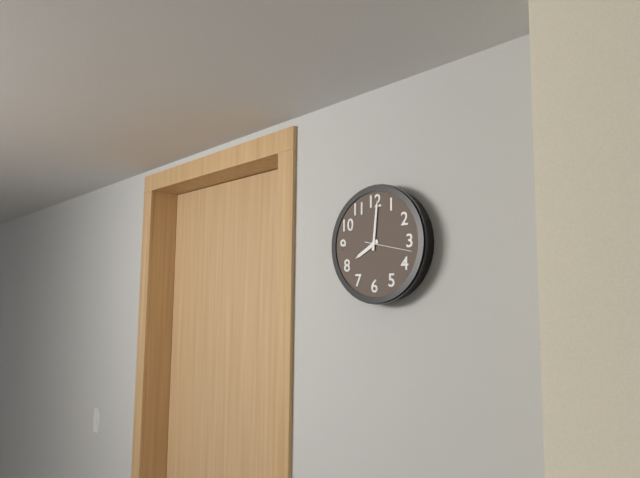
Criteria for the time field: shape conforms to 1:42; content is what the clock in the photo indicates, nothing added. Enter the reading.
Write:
8:01
